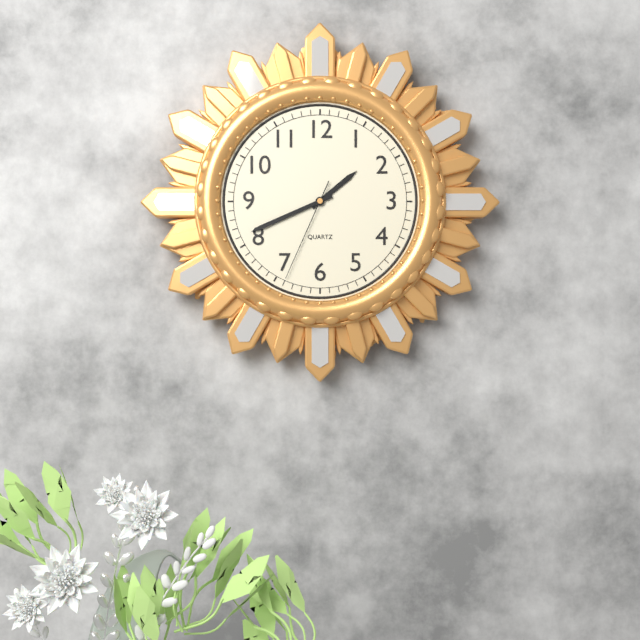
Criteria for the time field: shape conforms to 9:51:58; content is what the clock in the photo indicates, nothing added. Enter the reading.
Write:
1:41:34
